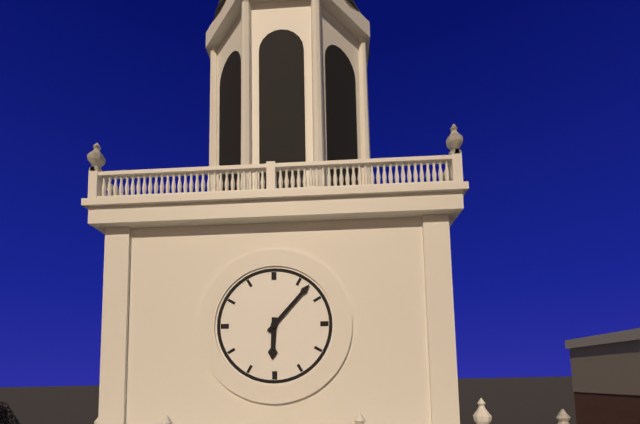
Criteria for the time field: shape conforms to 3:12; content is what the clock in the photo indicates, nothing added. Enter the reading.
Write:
6:07
